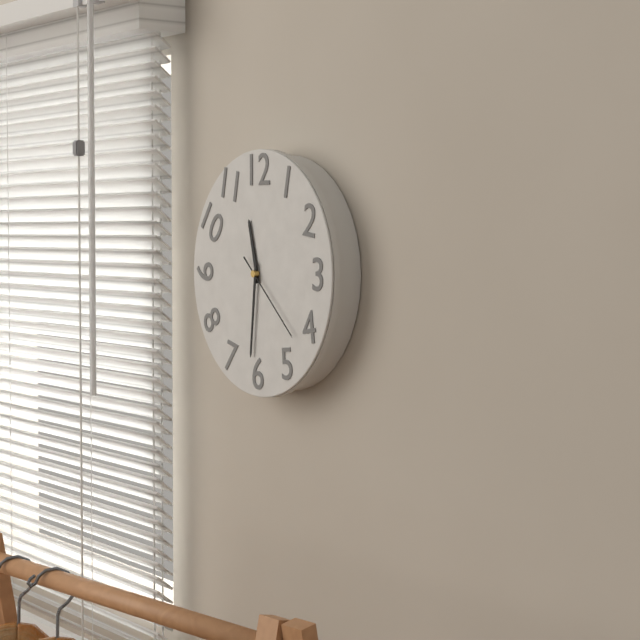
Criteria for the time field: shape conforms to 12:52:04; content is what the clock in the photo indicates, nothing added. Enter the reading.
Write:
11:31:22
